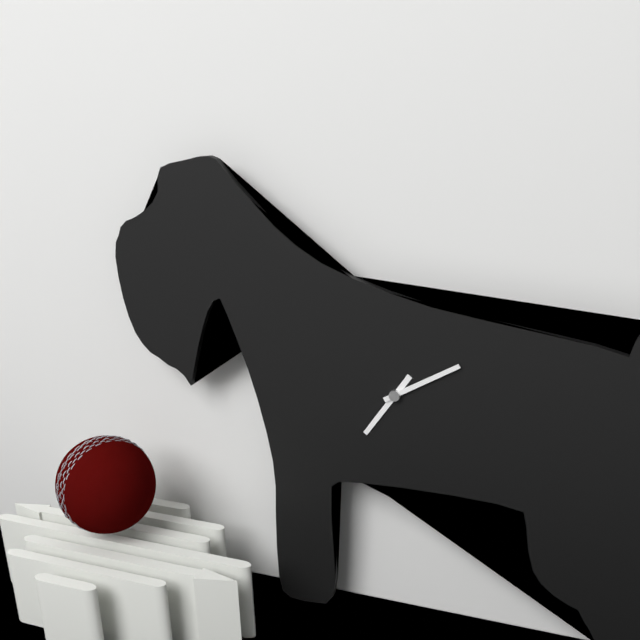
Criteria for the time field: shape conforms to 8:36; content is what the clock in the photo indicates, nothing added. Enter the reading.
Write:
7:10
